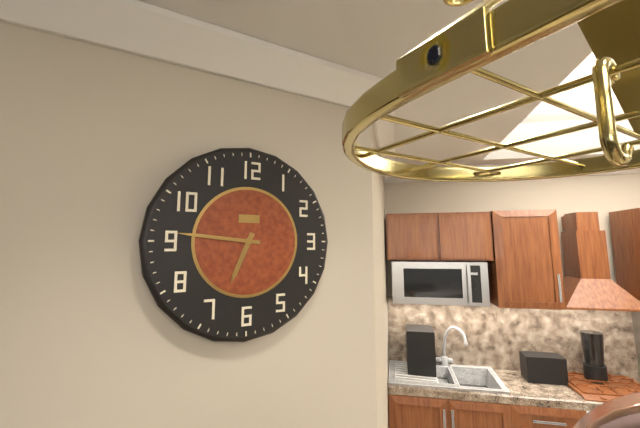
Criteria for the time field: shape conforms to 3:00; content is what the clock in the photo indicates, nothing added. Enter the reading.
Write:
6:46
